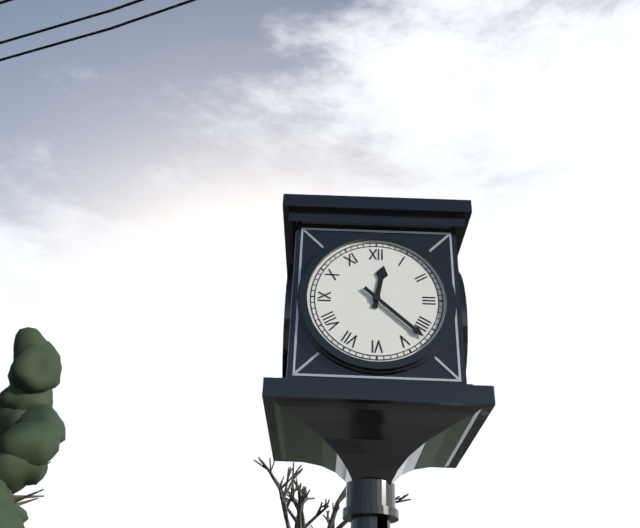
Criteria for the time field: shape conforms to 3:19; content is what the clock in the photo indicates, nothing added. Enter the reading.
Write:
12:22
